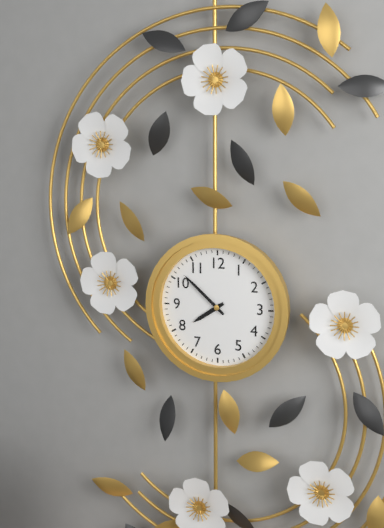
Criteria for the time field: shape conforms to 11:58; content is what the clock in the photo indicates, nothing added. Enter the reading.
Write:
7:52
